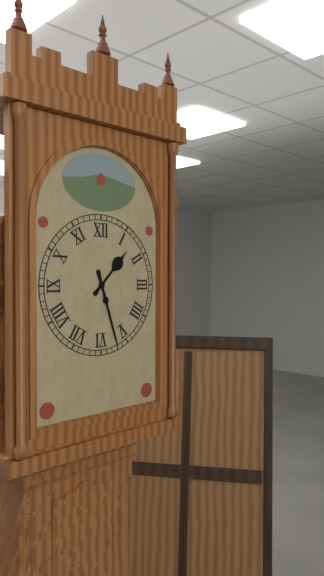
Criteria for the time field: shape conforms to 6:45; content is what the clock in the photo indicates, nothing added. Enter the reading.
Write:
1:27
